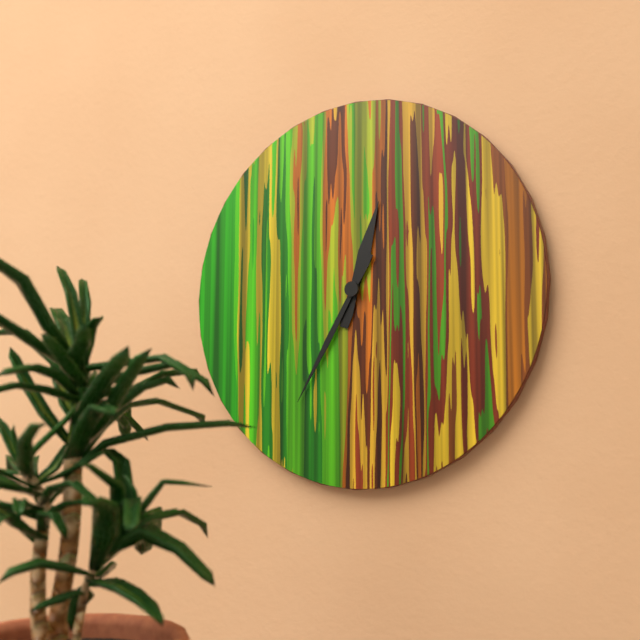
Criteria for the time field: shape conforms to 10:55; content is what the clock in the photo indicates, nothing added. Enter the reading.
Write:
12:35
